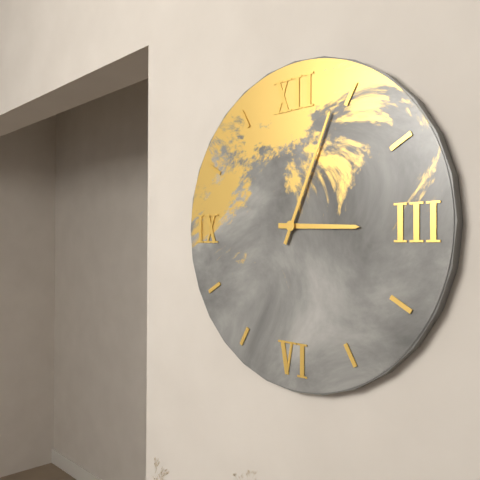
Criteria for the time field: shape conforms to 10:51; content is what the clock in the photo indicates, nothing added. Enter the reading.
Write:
3:04
